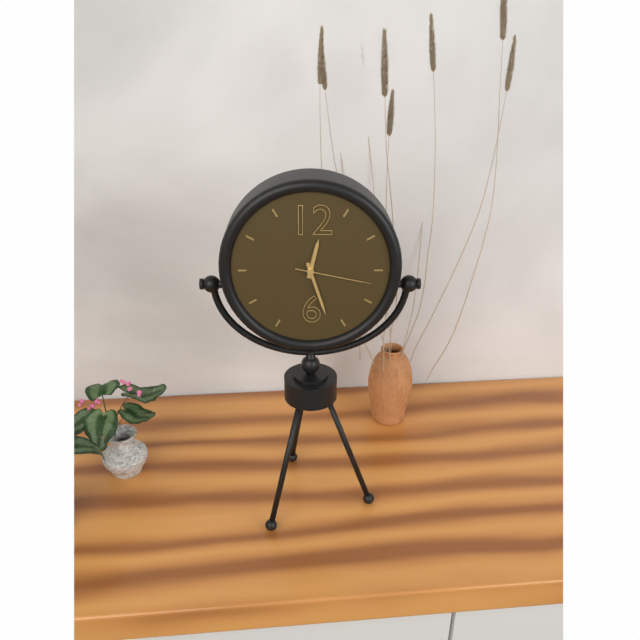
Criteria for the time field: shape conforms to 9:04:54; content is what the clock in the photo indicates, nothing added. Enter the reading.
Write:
12:27:17
